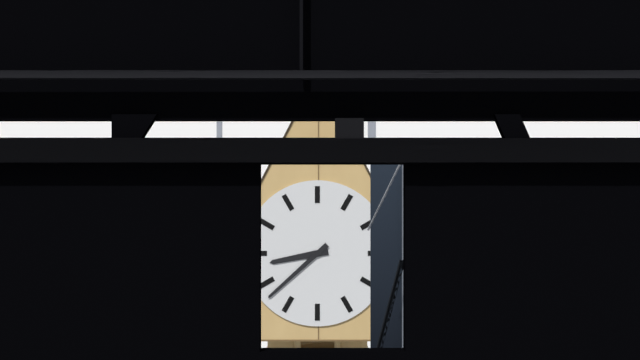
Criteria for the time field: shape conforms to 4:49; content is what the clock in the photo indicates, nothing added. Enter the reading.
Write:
8:38
